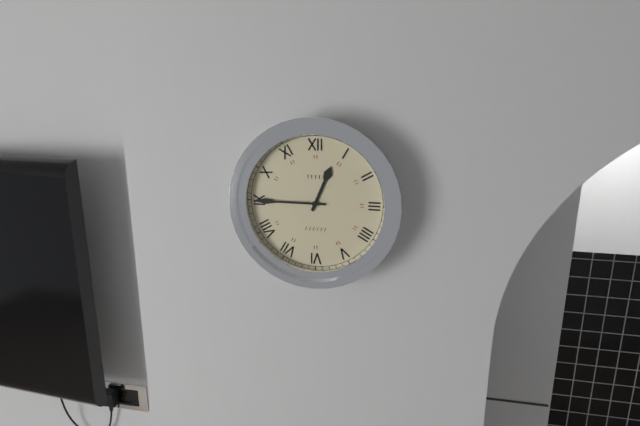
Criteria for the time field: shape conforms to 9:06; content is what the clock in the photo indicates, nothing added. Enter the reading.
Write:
12:45
